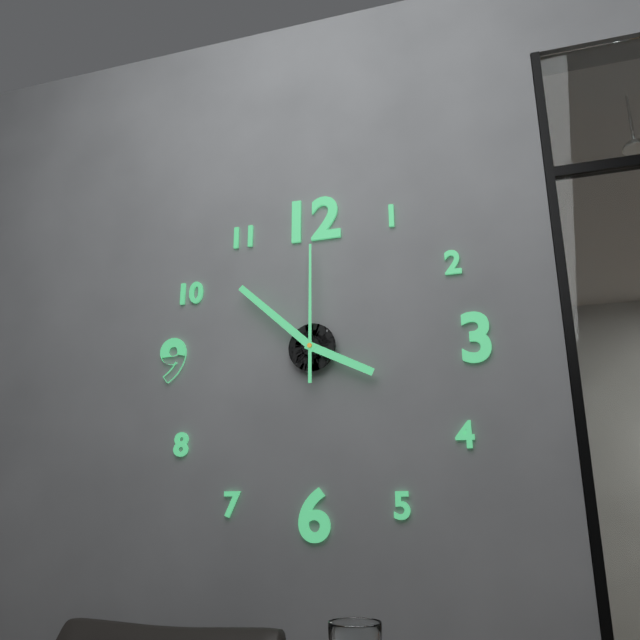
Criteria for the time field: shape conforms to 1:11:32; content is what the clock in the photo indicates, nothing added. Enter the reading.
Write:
3:52:00
